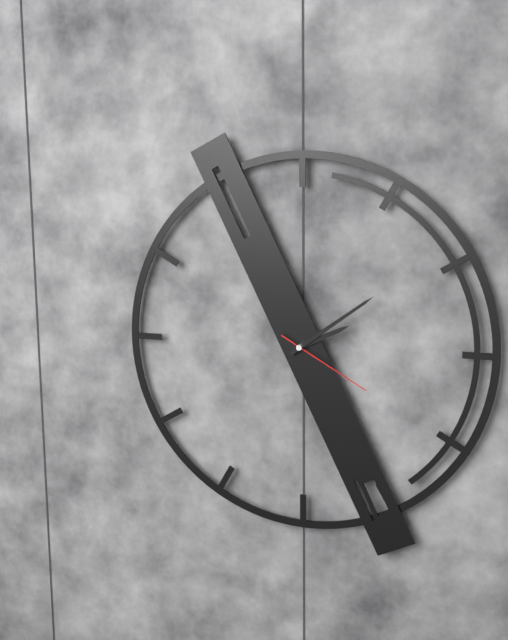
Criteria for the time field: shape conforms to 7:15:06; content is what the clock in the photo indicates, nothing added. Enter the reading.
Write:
2:09:20
